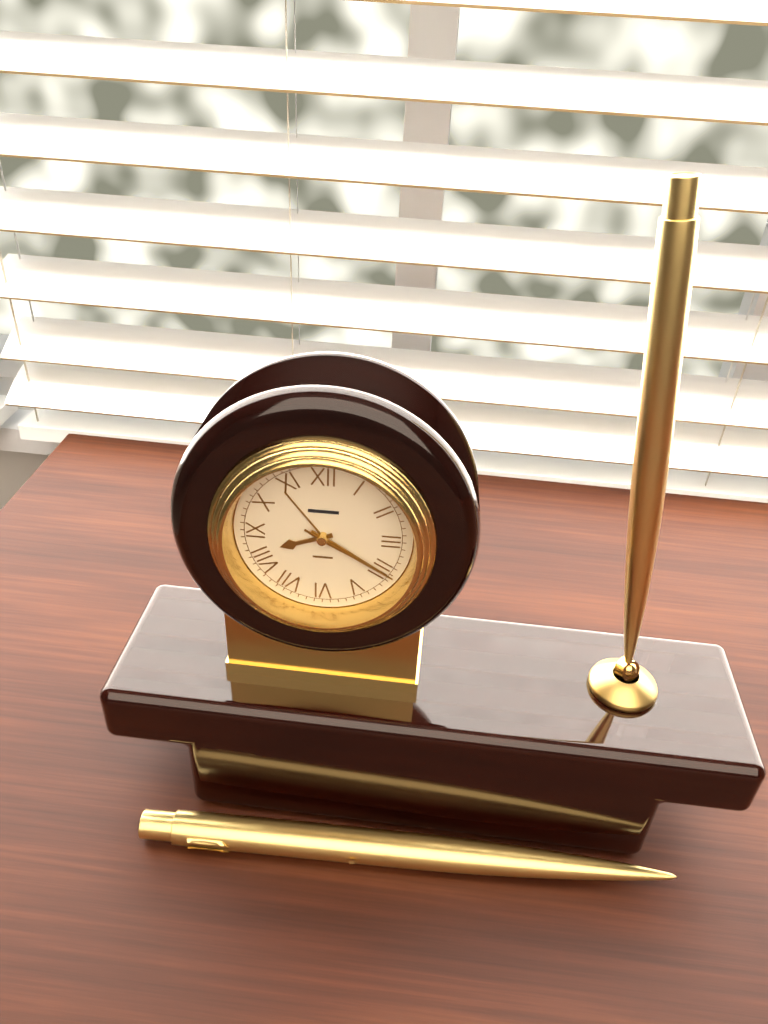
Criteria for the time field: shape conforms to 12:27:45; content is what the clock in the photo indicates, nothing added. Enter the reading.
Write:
8:20:20
